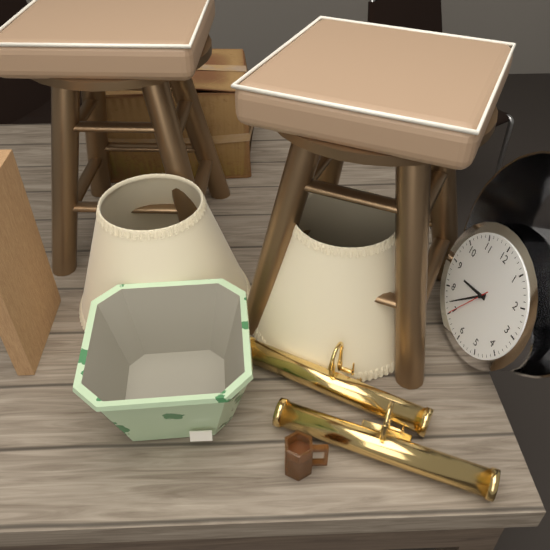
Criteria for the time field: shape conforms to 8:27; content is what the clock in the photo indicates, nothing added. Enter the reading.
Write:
8:37
